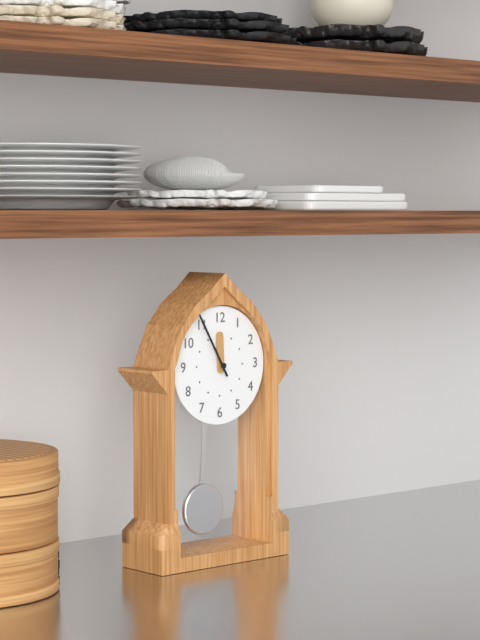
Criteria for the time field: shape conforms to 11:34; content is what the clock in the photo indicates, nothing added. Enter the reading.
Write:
11:55
